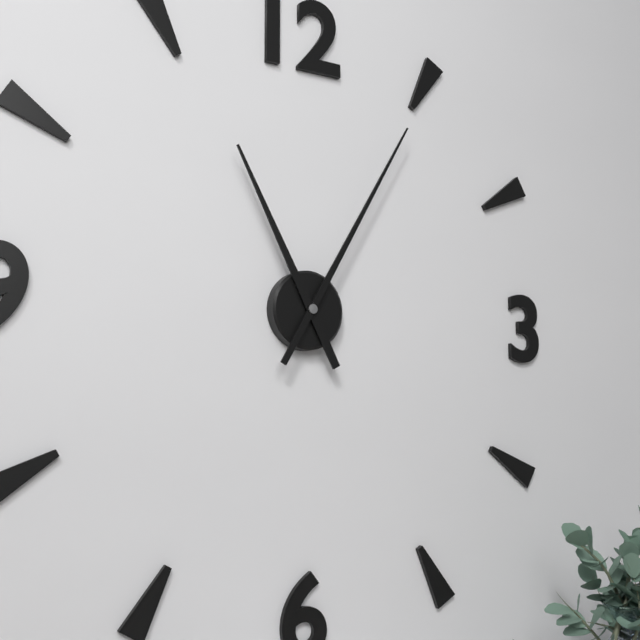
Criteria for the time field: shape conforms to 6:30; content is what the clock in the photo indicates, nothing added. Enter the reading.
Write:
11:05
